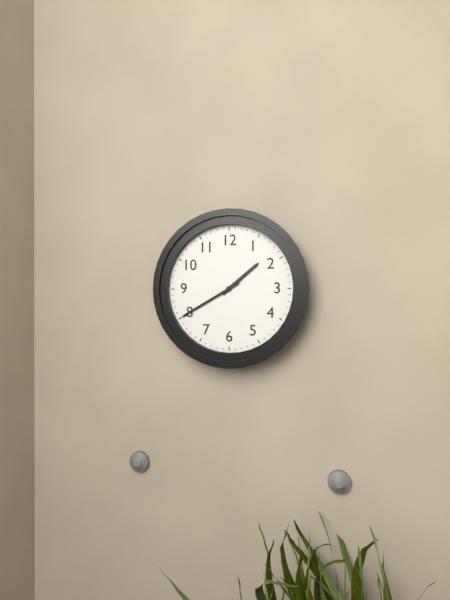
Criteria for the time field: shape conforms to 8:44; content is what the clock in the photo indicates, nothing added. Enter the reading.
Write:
1:40
